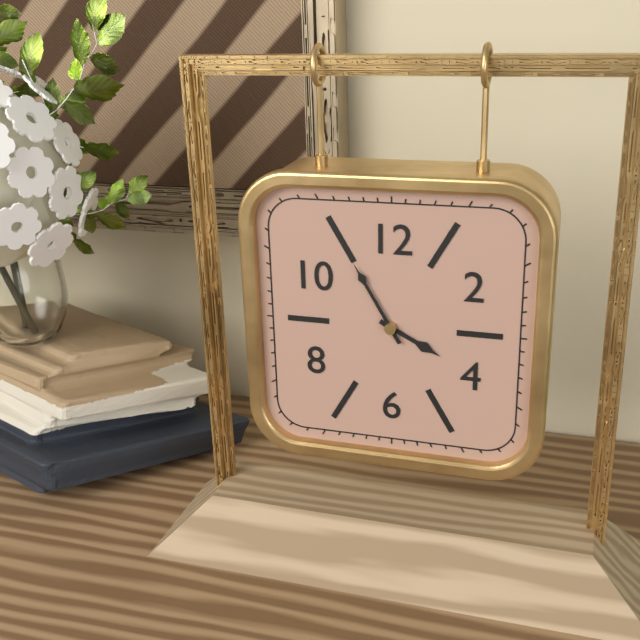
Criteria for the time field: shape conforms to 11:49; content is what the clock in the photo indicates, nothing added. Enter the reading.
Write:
3:55
